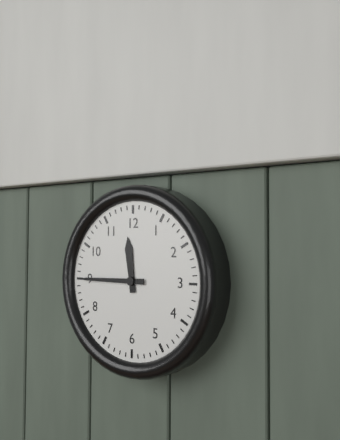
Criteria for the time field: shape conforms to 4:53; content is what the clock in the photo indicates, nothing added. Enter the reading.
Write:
11:45
